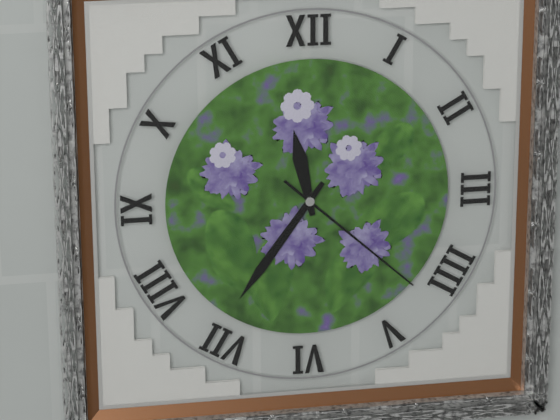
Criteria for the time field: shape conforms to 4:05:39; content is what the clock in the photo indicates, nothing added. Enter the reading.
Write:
11:36:22
